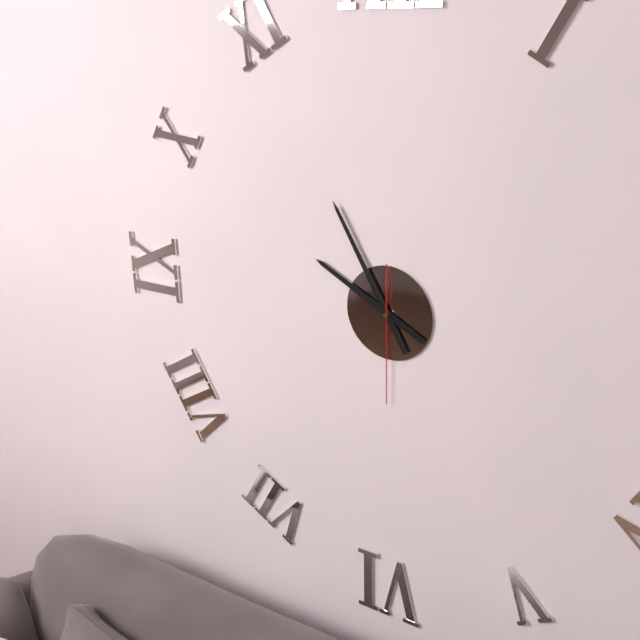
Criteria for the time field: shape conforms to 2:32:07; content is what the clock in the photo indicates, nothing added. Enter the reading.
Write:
9:55:30
